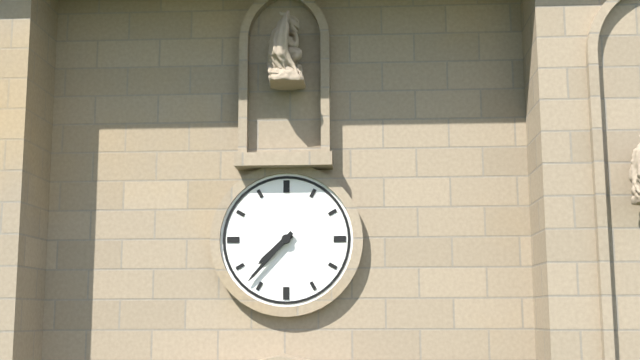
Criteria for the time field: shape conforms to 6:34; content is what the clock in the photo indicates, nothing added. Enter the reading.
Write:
7:37
